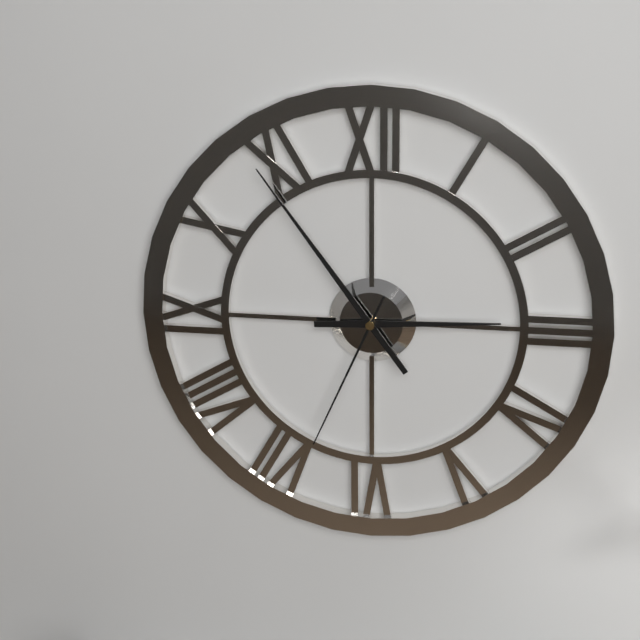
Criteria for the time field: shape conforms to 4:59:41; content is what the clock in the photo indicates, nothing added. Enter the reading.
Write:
2:54:34
